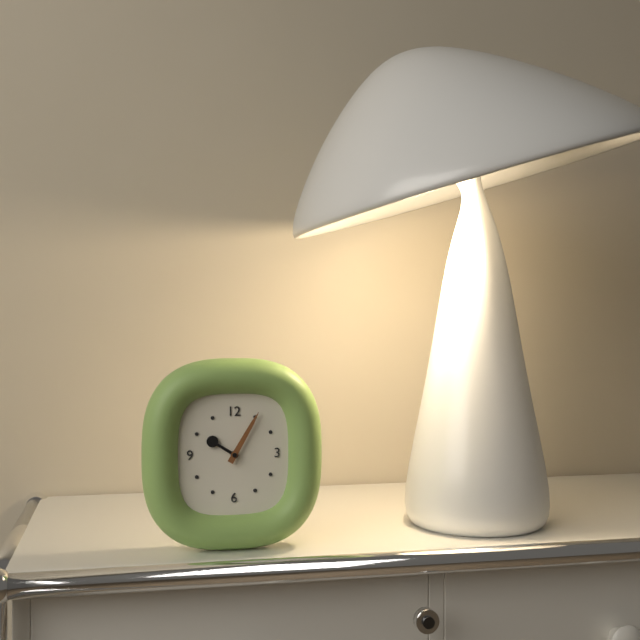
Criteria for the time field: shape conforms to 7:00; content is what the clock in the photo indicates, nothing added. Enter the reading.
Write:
10:05
